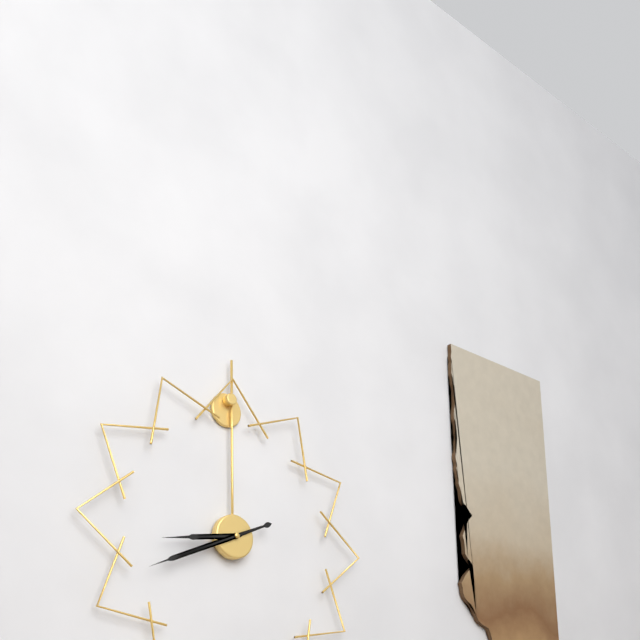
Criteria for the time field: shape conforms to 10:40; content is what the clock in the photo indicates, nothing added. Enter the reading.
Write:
8:41
